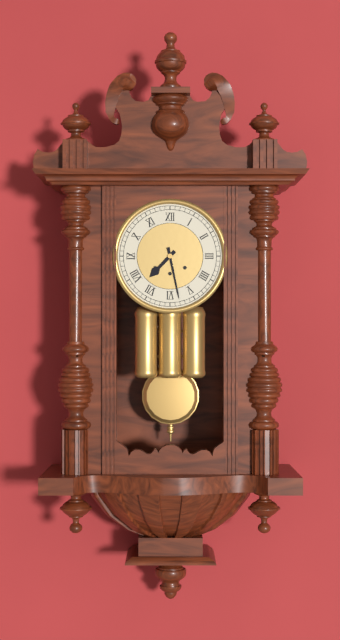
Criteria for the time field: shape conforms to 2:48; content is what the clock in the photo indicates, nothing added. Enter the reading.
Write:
7:28
